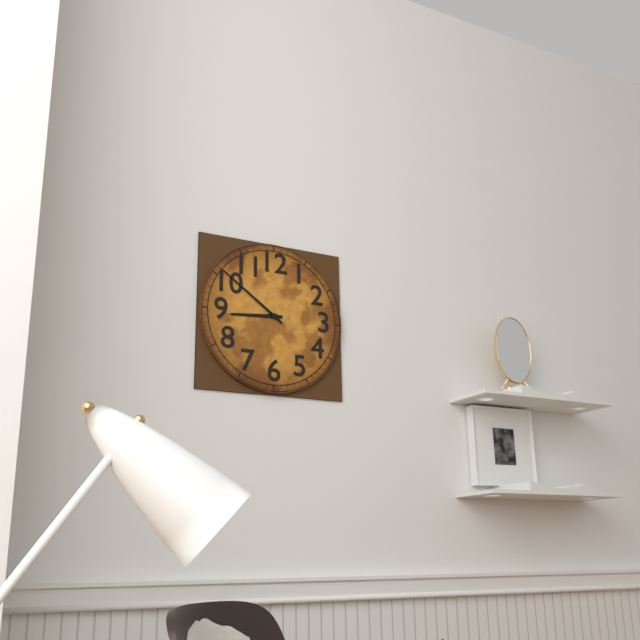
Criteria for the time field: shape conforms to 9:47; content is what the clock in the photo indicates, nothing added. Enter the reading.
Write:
8:51
